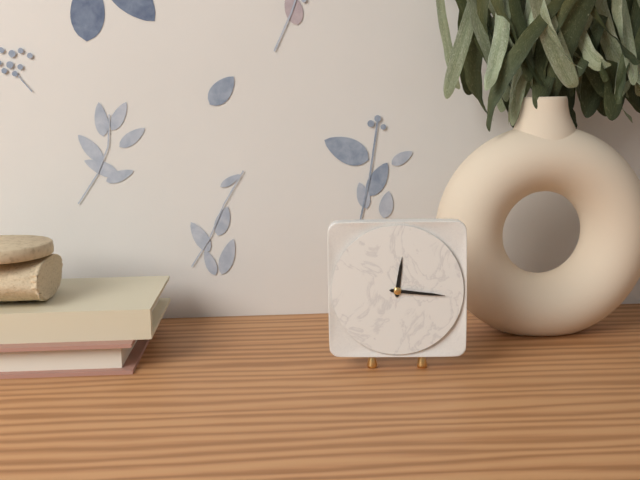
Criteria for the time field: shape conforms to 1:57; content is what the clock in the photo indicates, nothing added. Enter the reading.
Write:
12:16
